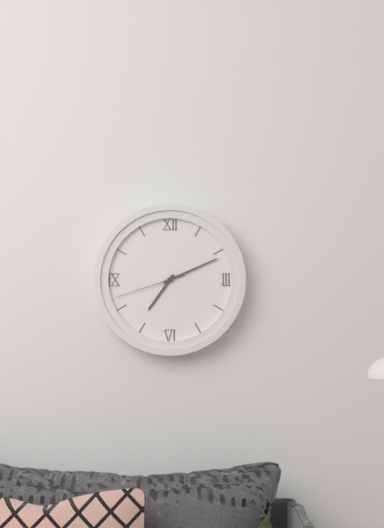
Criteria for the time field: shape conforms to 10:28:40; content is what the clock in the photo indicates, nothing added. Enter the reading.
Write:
7:11:42
